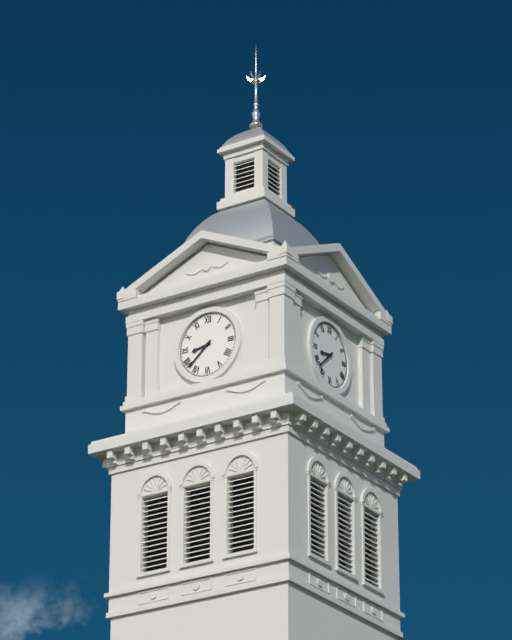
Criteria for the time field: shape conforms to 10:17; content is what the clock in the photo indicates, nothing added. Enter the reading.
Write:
8:38
